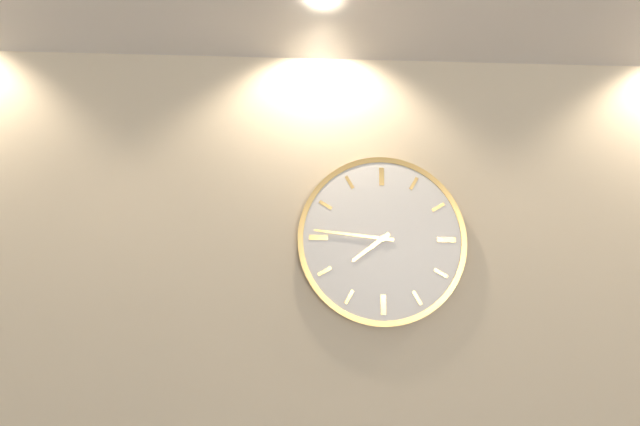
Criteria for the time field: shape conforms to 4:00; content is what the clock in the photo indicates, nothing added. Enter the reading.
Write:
7:46
